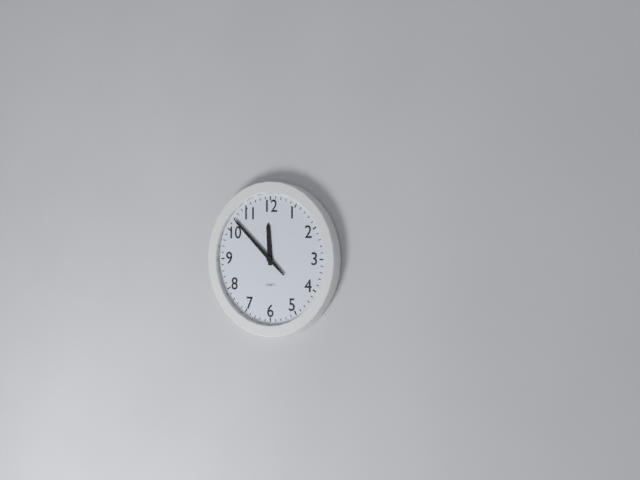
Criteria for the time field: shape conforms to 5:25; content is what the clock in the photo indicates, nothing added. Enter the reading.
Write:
11:52
